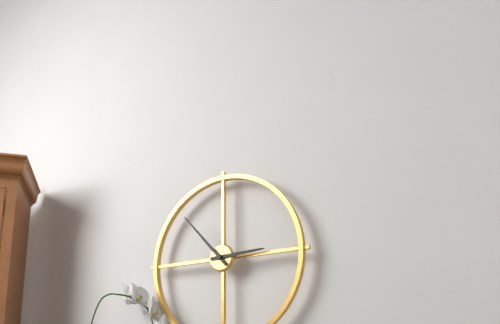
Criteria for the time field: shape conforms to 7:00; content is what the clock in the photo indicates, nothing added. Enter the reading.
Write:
2:53
